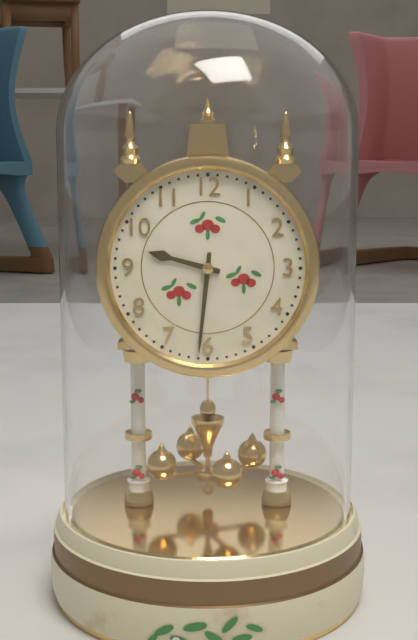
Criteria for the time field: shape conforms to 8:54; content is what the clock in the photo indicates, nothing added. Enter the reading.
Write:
9:31
